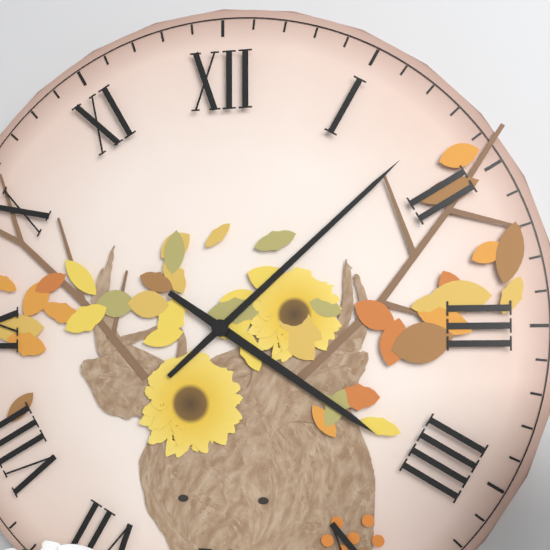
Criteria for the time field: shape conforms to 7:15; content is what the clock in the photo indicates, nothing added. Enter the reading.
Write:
4:08
